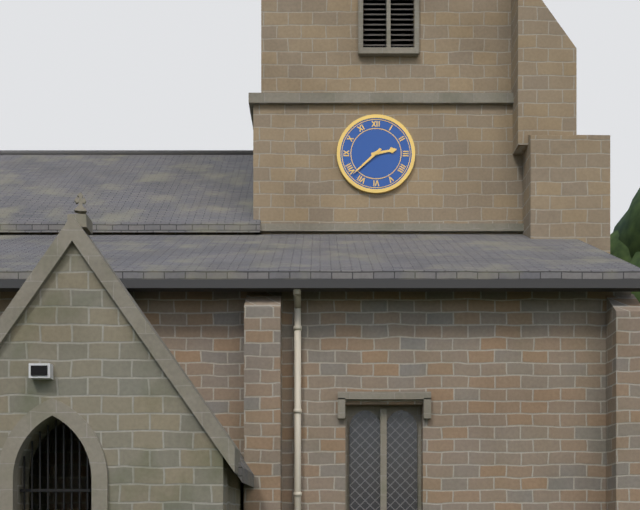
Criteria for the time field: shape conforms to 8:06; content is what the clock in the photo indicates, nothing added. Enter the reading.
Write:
2:38
